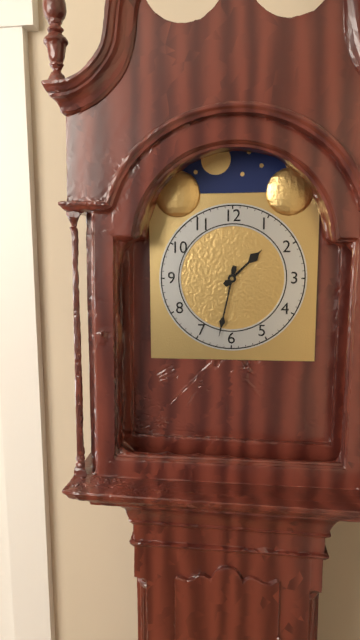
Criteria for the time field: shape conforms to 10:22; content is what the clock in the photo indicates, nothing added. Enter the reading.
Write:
1:32
